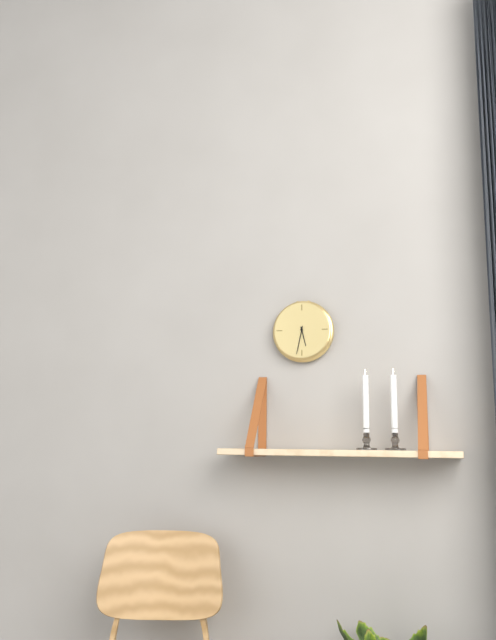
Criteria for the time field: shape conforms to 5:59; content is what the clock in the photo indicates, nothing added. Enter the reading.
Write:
5:32
